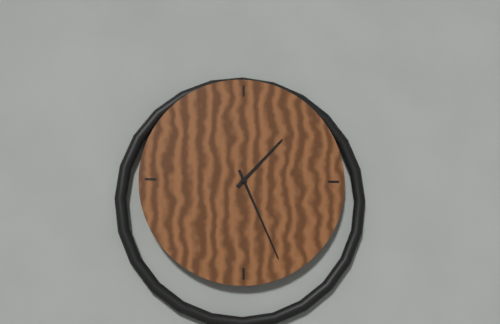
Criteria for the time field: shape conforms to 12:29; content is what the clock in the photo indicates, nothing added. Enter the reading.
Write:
1:26
